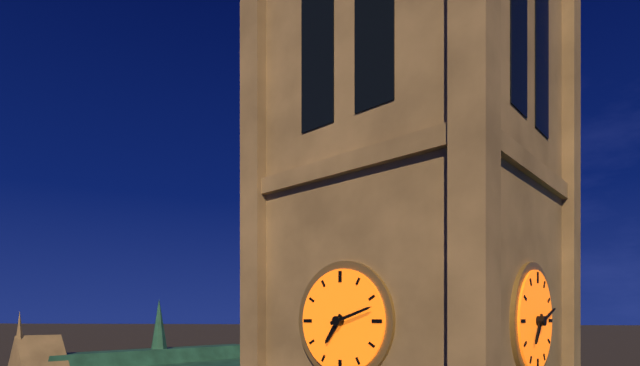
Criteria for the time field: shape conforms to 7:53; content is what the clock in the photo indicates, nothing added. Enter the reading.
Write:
7:12
